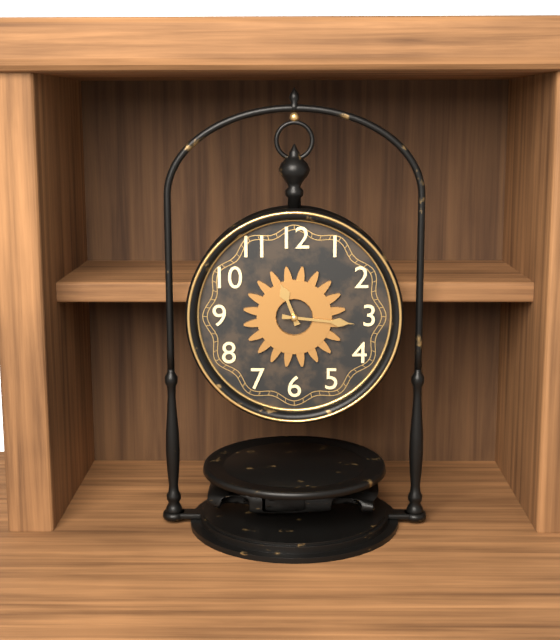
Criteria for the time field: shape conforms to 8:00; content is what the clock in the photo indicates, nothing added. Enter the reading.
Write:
11:16
